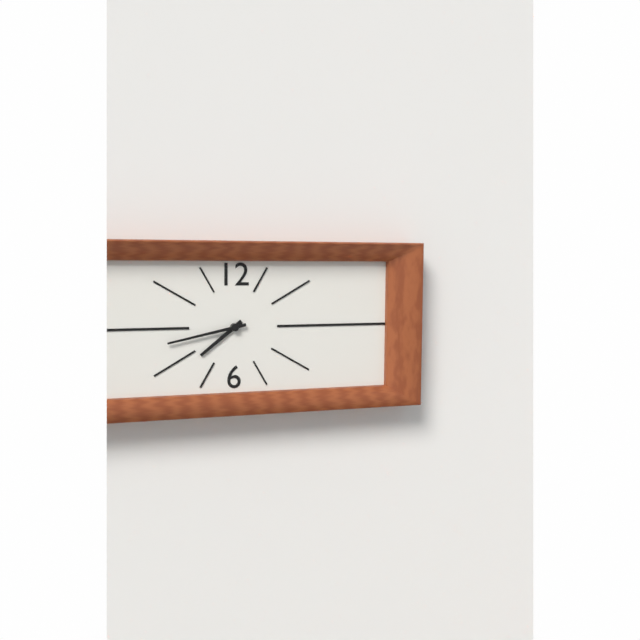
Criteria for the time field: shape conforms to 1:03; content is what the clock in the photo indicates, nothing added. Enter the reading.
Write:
7:43
